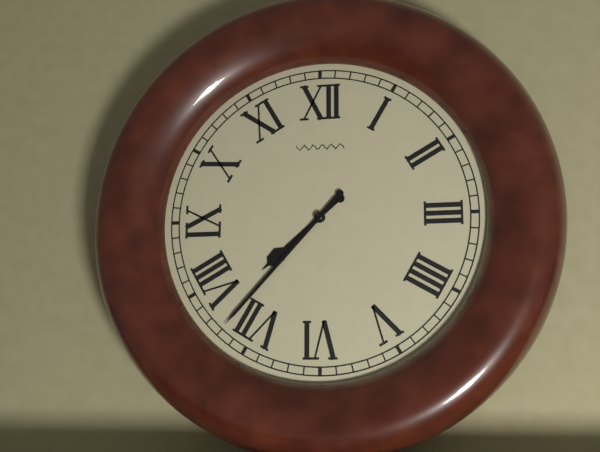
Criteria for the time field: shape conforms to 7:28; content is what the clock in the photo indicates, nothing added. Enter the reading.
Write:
7:37
